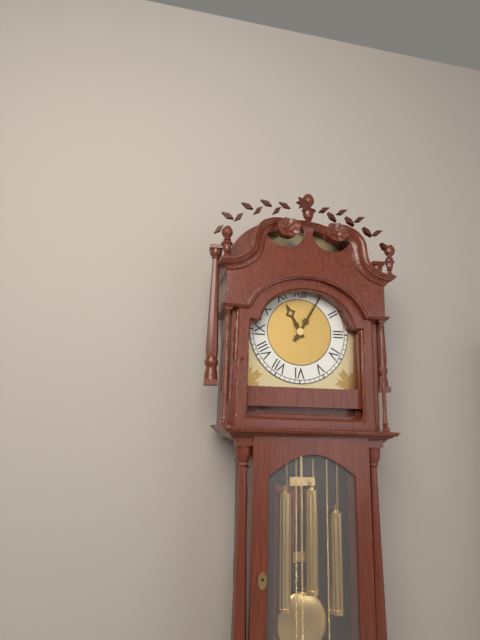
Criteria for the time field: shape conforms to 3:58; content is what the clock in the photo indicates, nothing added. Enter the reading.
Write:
11:05
